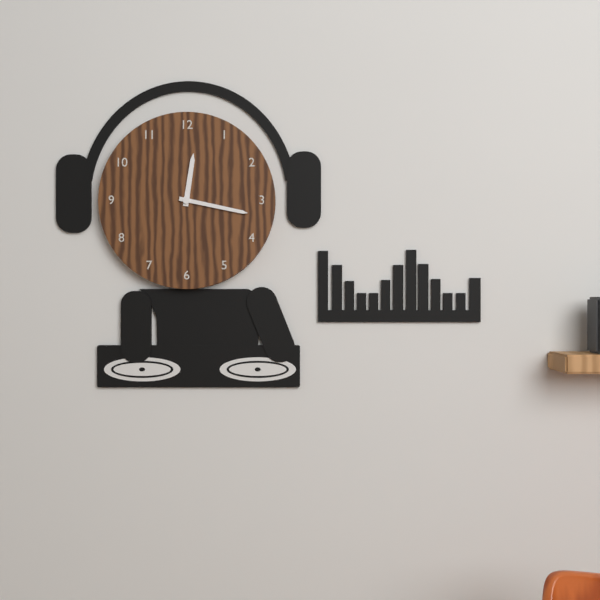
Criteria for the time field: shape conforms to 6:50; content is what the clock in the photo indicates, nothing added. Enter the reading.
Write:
12:17
